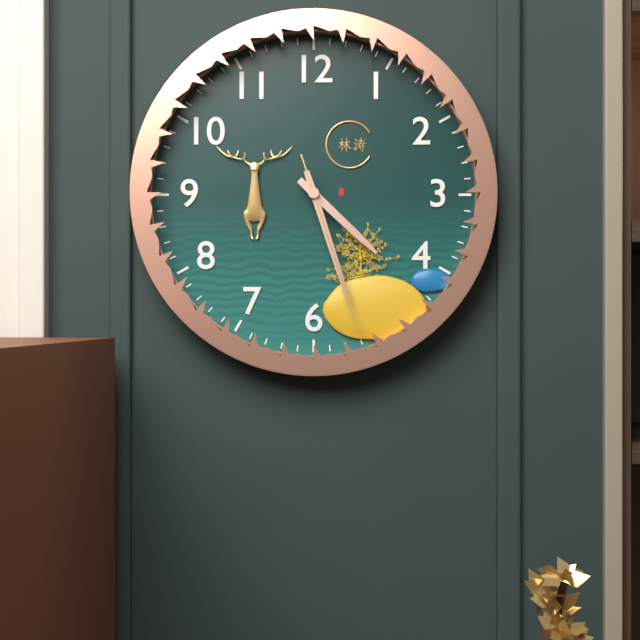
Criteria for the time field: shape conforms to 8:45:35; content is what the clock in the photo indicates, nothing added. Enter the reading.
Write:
4:27:27
